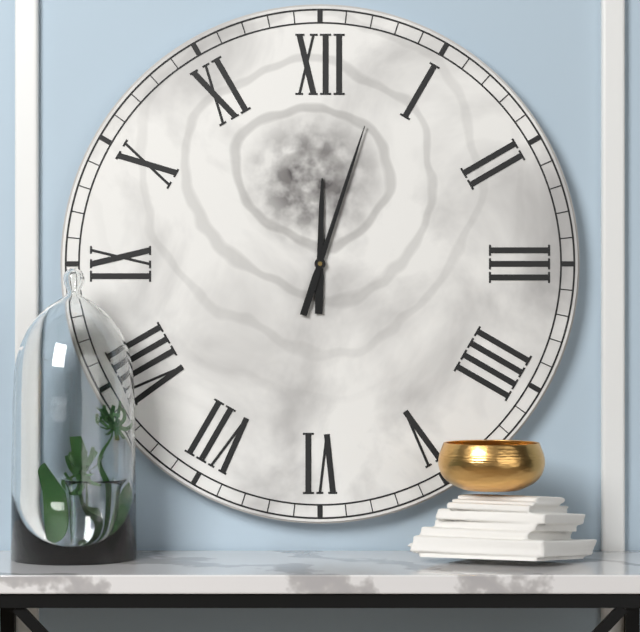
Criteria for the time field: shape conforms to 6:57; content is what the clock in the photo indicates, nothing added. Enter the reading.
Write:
12:03
